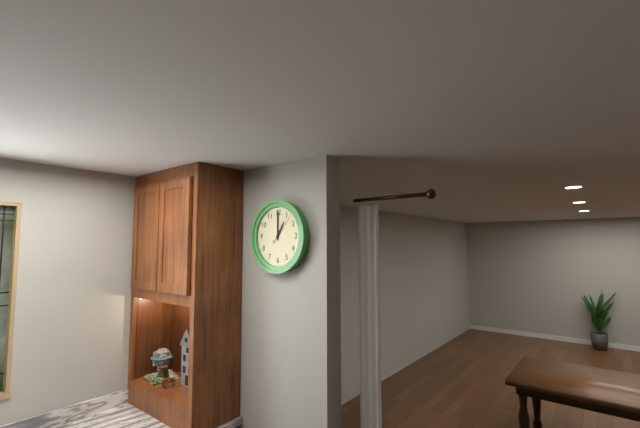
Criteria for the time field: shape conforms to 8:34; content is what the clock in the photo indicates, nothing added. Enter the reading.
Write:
1:00
